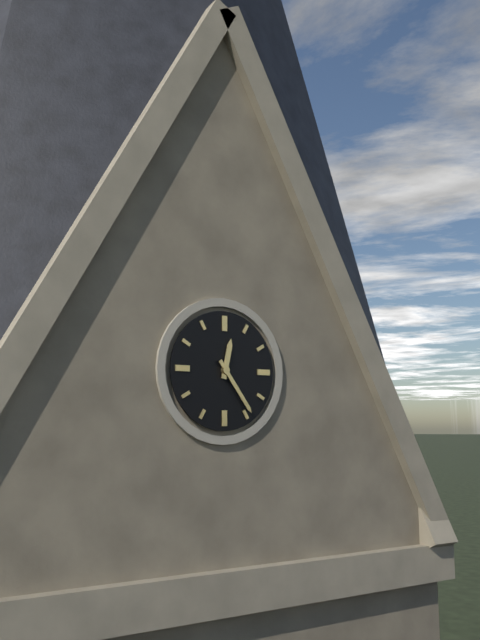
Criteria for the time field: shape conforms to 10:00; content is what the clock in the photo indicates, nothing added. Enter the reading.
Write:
12:24
